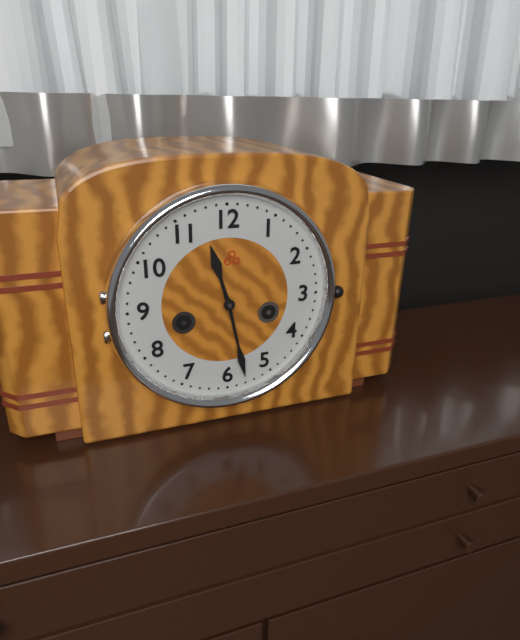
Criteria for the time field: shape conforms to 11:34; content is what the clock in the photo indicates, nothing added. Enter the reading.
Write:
11:28
